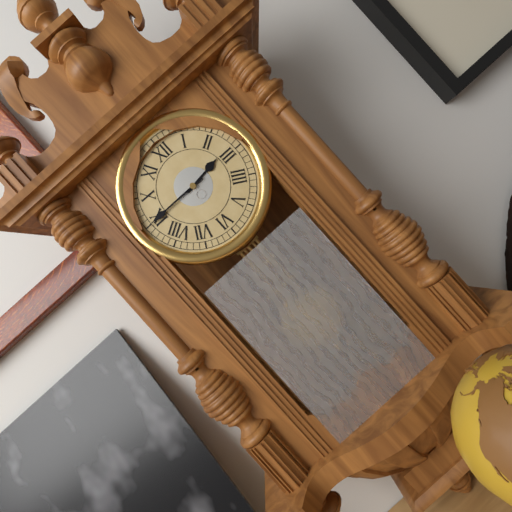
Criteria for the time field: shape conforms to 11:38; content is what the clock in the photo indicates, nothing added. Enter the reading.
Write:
2:45
